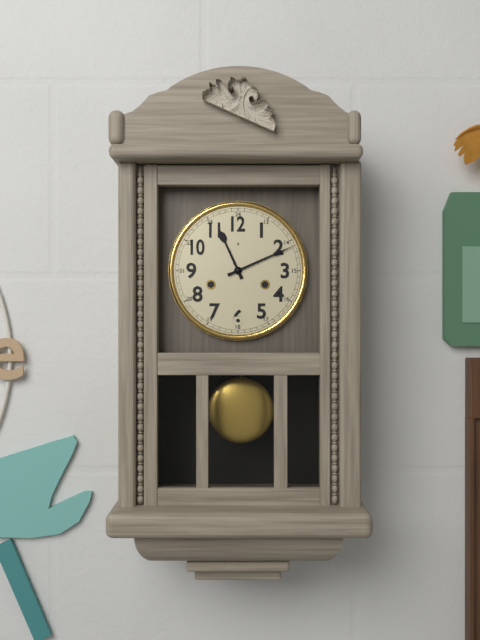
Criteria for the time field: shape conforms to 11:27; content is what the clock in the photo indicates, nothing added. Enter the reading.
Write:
11:11
